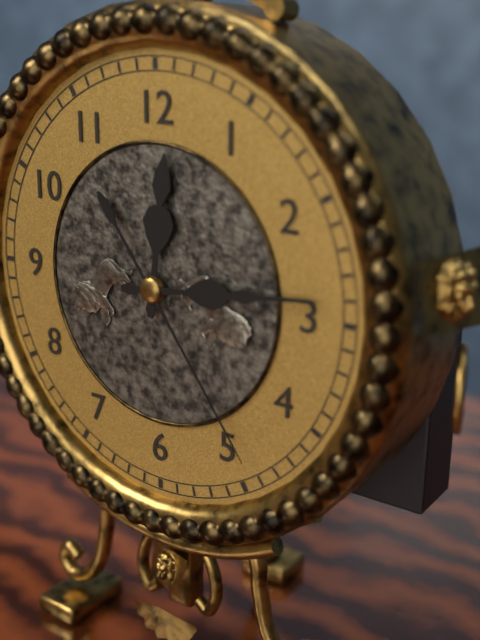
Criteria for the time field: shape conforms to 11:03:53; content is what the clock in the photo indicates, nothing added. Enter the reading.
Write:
12:14:24
